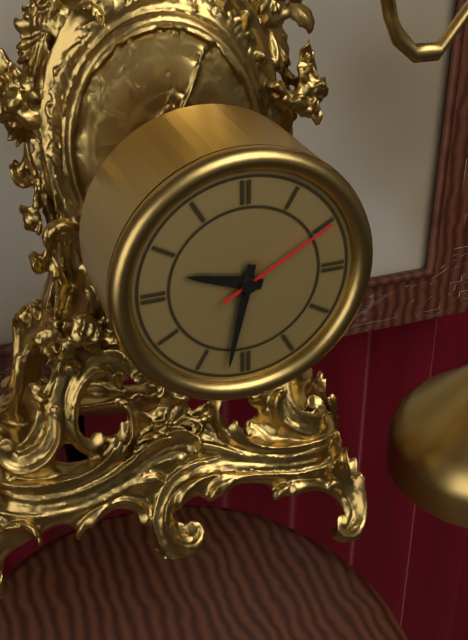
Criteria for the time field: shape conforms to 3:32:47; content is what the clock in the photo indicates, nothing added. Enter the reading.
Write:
9:32:10
